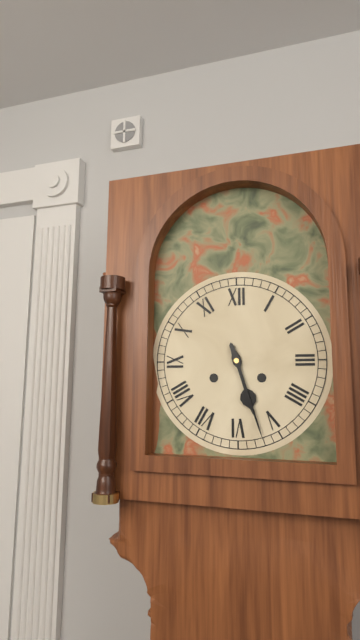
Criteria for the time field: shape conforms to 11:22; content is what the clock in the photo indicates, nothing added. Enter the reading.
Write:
5:27
